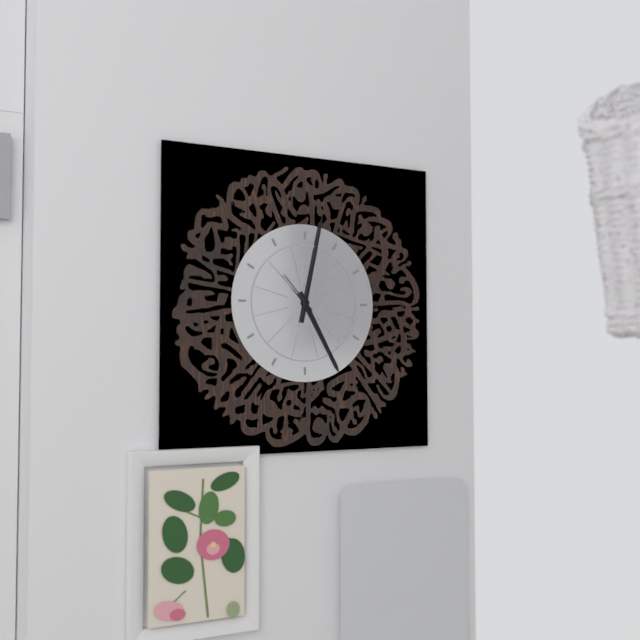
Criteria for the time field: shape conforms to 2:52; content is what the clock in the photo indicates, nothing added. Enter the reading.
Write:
5:02
